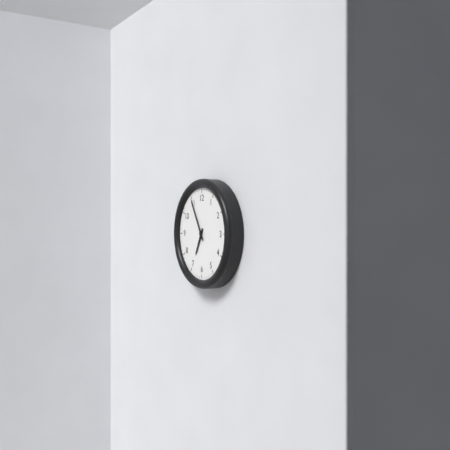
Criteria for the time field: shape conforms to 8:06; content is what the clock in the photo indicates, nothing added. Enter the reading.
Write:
6:55
